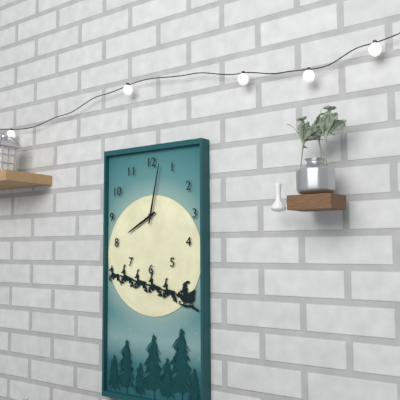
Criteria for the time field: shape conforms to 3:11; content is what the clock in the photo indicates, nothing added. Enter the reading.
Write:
8:02
